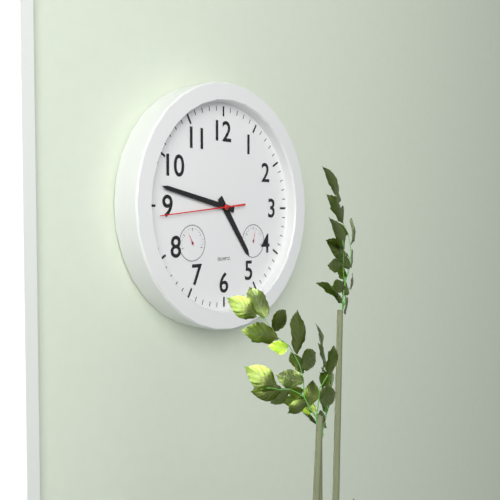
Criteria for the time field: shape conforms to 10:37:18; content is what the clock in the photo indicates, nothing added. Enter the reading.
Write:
4:47:44
